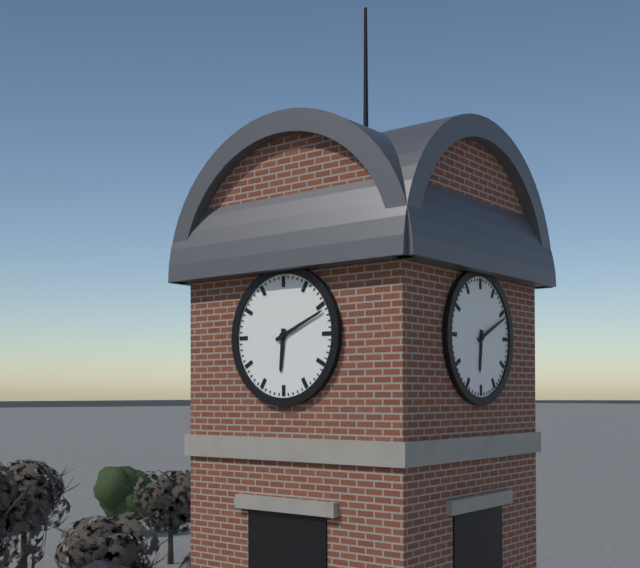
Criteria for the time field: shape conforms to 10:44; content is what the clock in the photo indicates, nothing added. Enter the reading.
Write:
6:11
